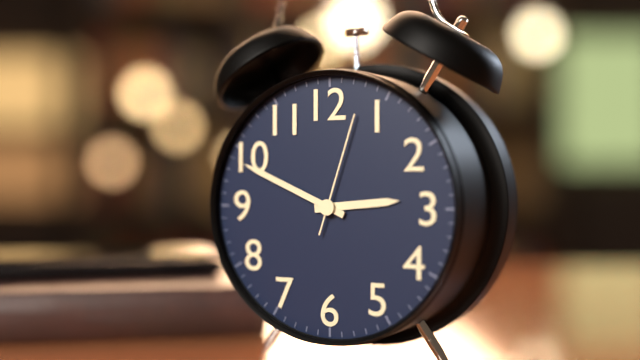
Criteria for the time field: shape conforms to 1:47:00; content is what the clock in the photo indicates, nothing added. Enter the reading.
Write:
2:49:03
